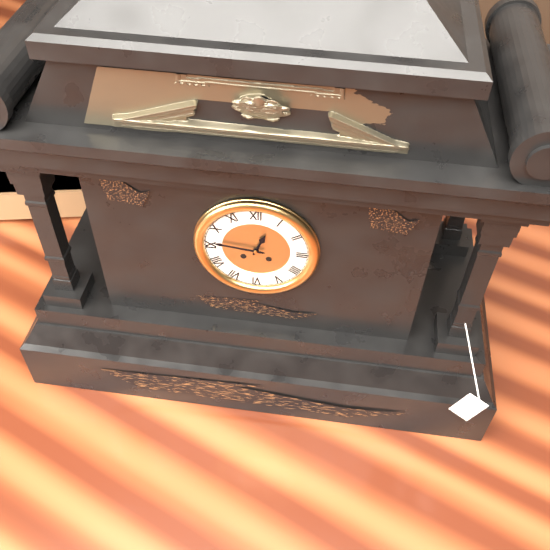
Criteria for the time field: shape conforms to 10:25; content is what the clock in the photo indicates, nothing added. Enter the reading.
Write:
12:46
